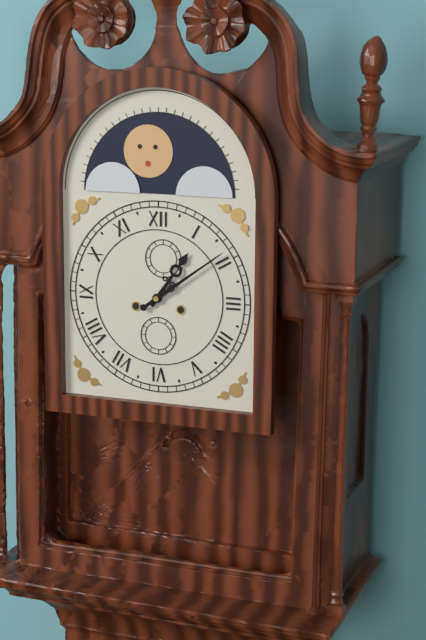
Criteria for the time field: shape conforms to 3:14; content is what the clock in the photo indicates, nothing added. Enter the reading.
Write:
1:09
